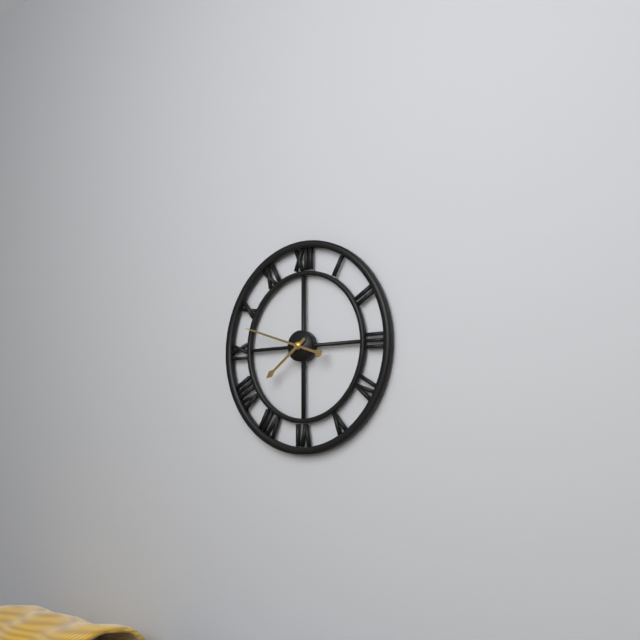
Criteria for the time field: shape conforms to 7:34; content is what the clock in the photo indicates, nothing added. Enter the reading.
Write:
7:48
